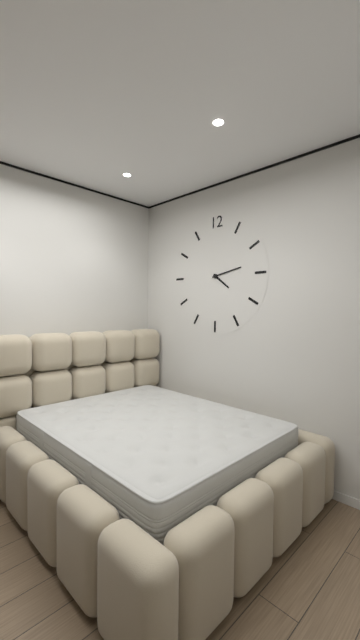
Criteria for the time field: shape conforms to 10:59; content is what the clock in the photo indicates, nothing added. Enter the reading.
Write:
4:13
